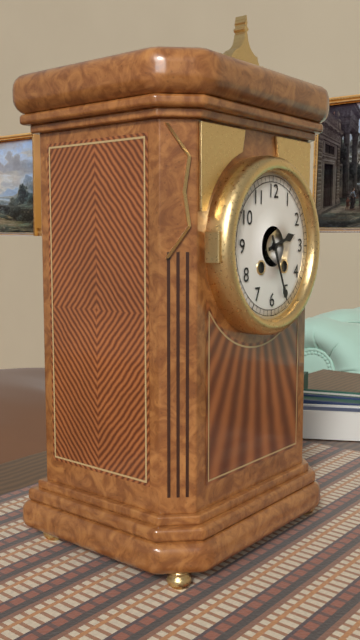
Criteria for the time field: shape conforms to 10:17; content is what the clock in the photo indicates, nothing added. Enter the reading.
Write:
2:26
